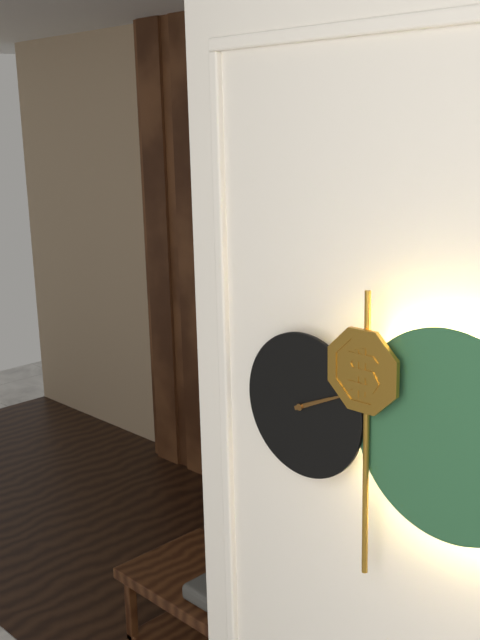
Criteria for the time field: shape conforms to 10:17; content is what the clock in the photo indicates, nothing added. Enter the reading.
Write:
2:11
